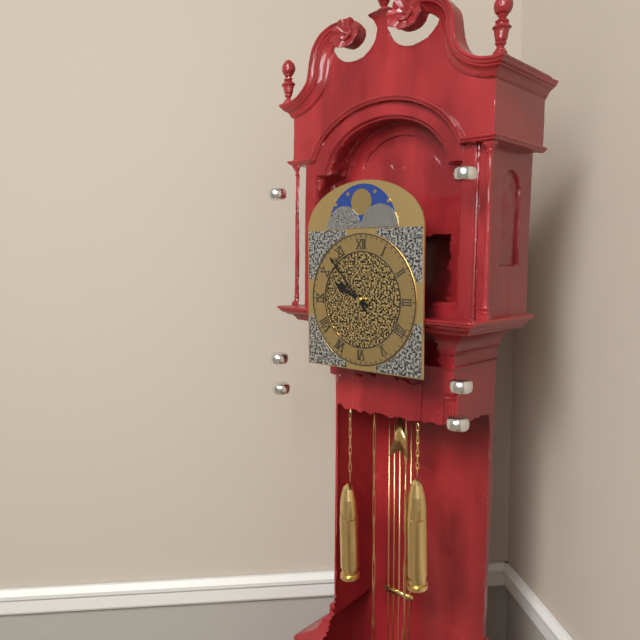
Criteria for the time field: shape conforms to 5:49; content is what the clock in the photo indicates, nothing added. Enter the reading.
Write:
9:53
